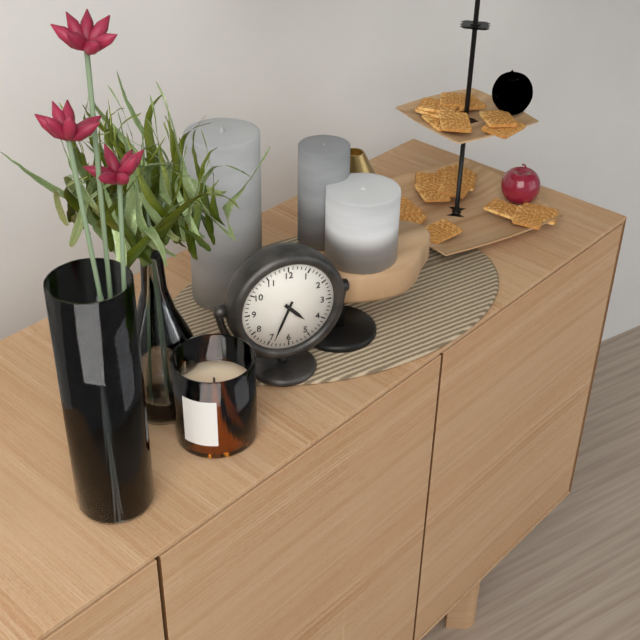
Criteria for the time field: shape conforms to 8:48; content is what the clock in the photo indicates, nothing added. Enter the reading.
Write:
4:34
